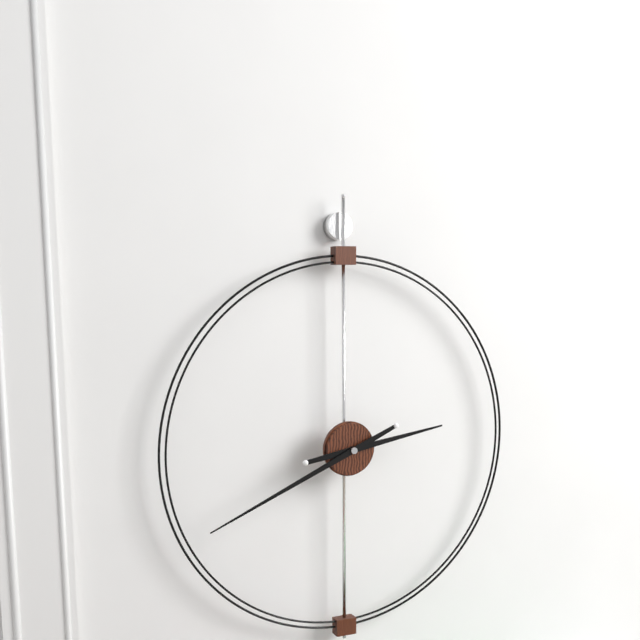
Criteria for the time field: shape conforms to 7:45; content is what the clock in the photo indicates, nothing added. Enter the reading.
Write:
2:41
